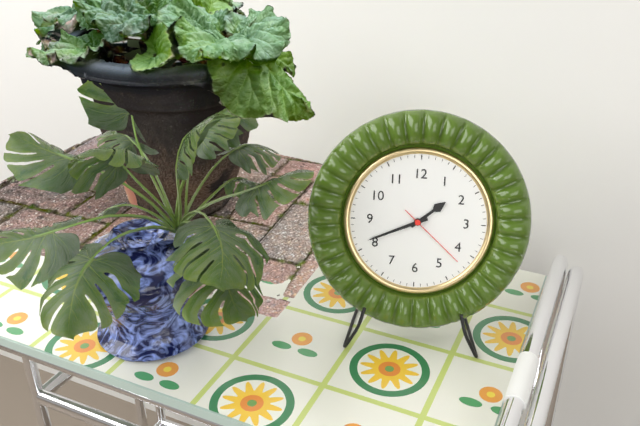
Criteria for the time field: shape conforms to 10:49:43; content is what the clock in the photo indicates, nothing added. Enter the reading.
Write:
1:41:22
